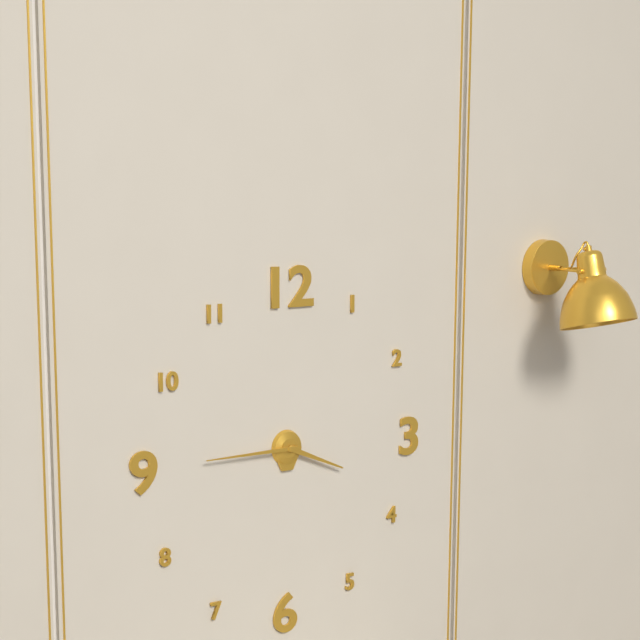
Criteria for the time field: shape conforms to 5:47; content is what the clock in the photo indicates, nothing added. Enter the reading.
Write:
3:45
